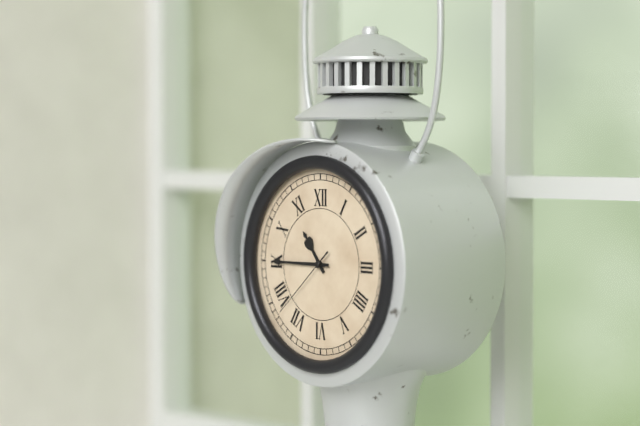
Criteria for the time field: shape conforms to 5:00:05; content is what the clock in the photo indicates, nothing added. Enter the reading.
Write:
10:45:38
